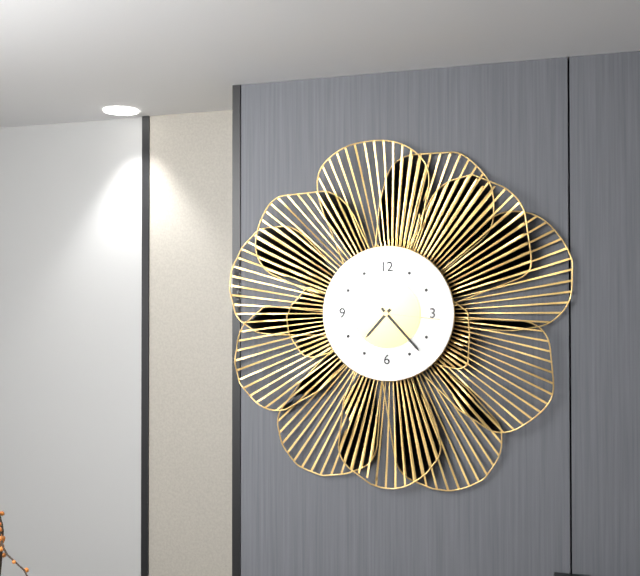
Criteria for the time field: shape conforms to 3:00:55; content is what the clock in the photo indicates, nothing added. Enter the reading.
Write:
7:23:16
